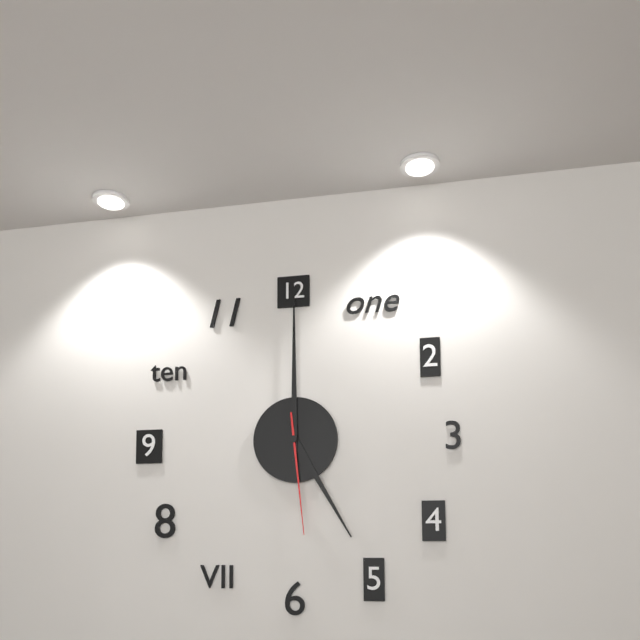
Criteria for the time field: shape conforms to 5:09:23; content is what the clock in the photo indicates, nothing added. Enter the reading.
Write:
5:00:29
